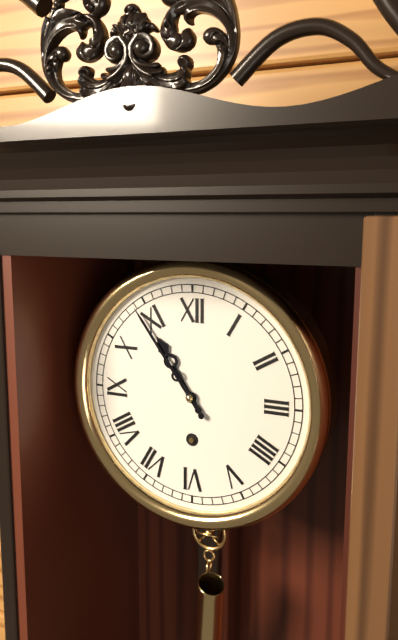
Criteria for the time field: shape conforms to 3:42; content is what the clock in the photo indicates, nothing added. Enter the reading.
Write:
10:54
